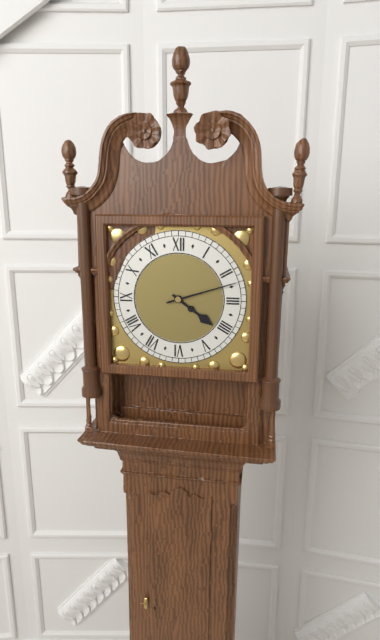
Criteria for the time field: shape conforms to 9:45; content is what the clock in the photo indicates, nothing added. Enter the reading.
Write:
4:12
